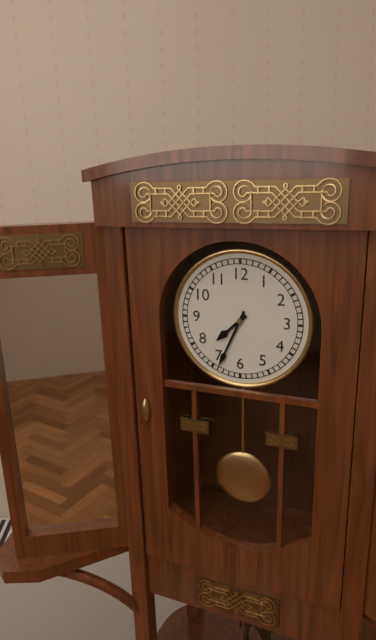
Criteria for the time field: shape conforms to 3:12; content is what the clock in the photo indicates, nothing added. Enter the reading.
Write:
7:34
